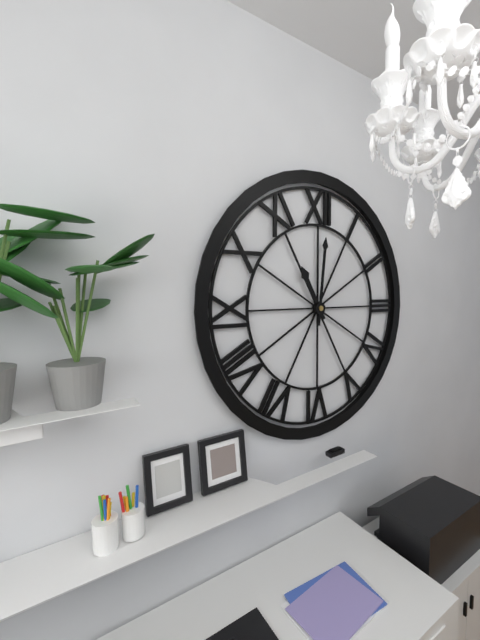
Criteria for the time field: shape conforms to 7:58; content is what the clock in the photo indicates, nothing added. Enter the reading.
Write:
11:01
